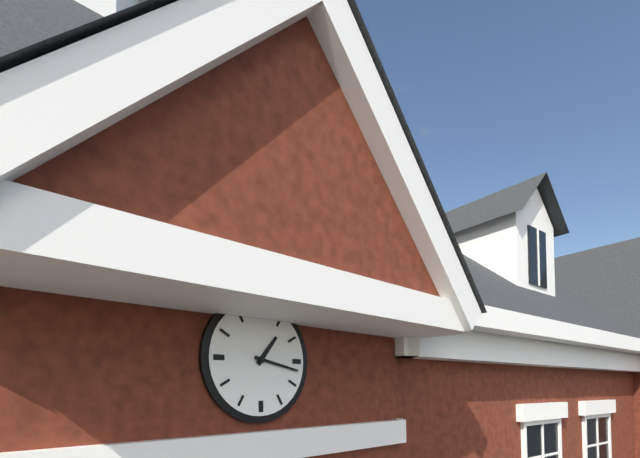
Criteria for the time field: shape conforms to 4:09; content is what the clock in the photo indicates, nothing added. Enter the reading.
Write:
1:17
